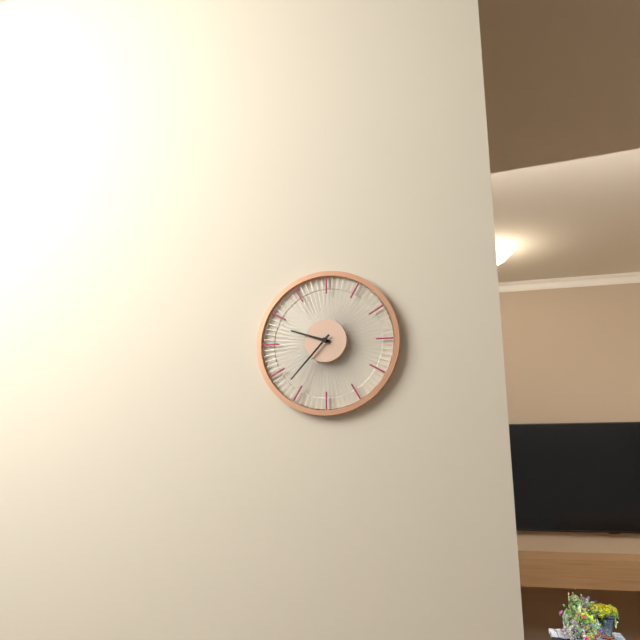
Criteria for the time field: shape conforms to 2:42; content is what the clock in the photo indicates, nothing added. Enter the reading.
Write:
9:37
